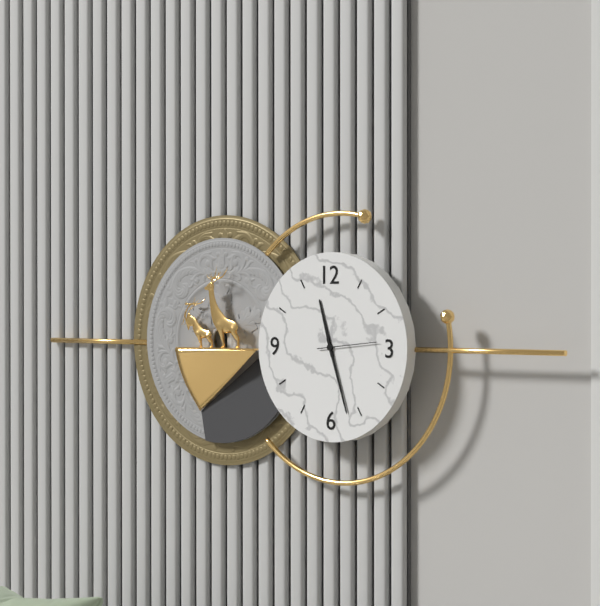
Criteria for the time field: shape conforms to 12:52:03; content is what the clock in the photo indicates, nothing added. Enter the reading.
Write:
11:27:14
